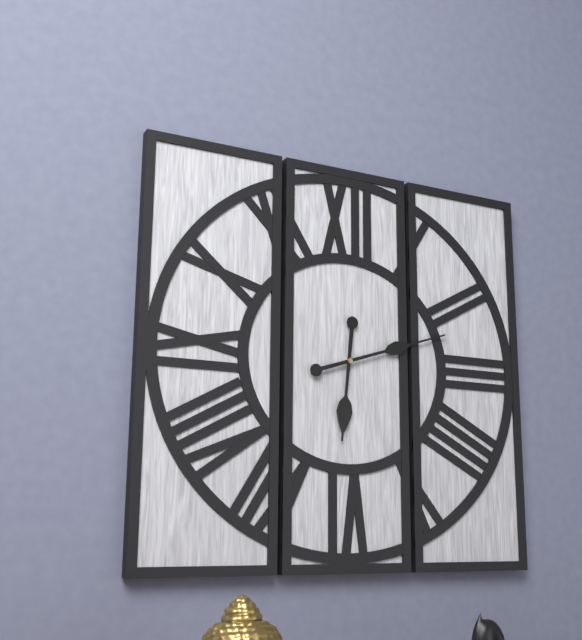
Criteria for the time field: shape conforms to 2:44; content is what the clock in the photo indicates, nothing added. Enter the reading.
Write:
6:12
